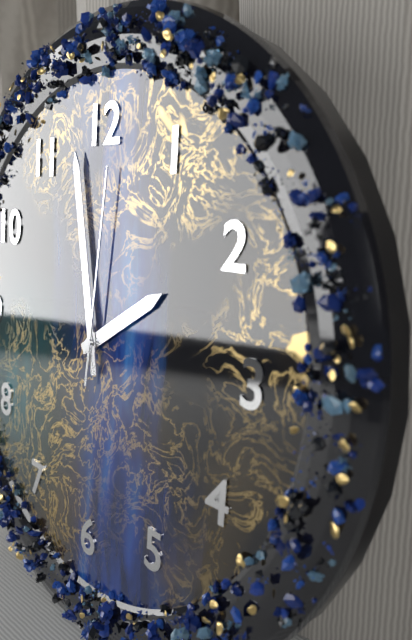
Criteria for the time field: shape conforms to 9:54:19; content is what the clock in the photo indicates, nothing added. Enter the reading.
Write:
1:58:01
